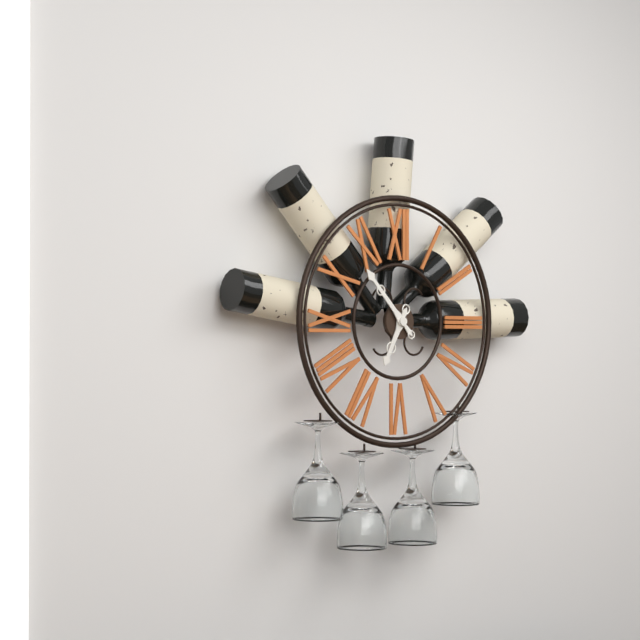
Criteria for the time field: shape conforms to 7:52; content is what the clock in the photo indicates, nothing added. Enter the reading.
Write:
6:53
